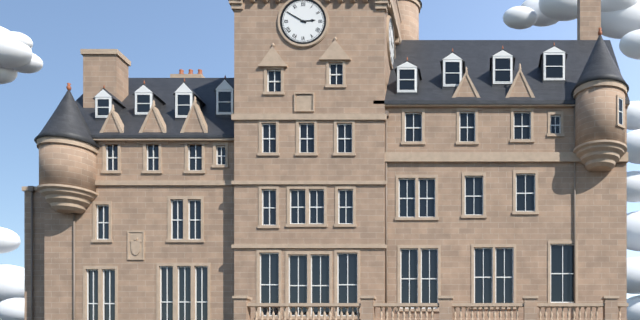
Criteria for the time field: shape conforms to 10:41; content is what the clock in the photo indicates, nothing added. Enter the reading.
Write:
2:50
